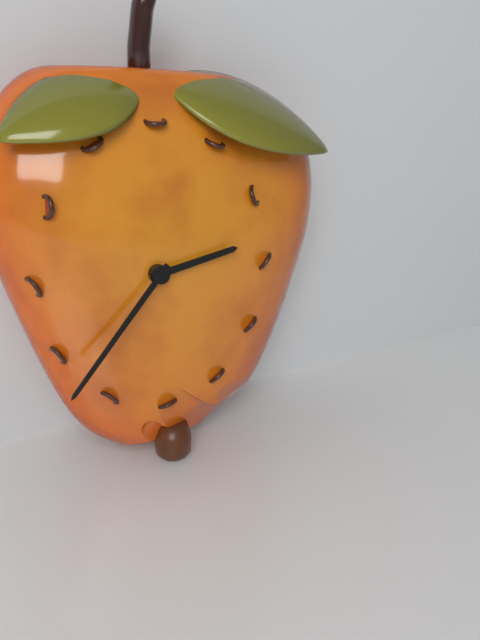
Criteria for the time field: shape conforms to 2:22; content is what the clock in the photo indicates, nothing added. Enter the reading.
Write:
2:37
